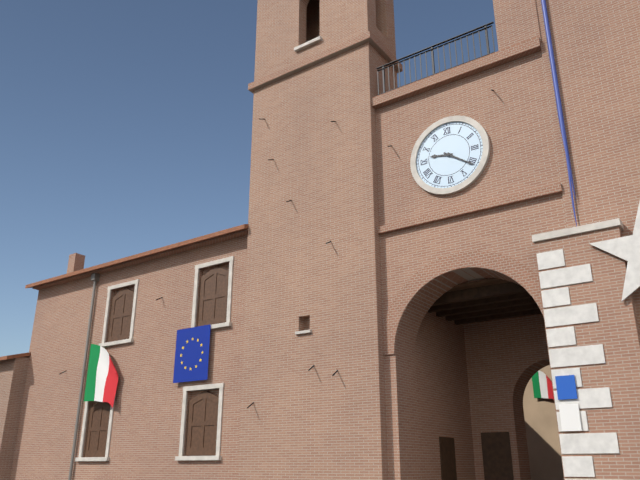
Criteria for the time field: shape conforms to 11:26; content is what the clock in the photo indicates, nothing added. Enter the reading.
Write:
9:21
